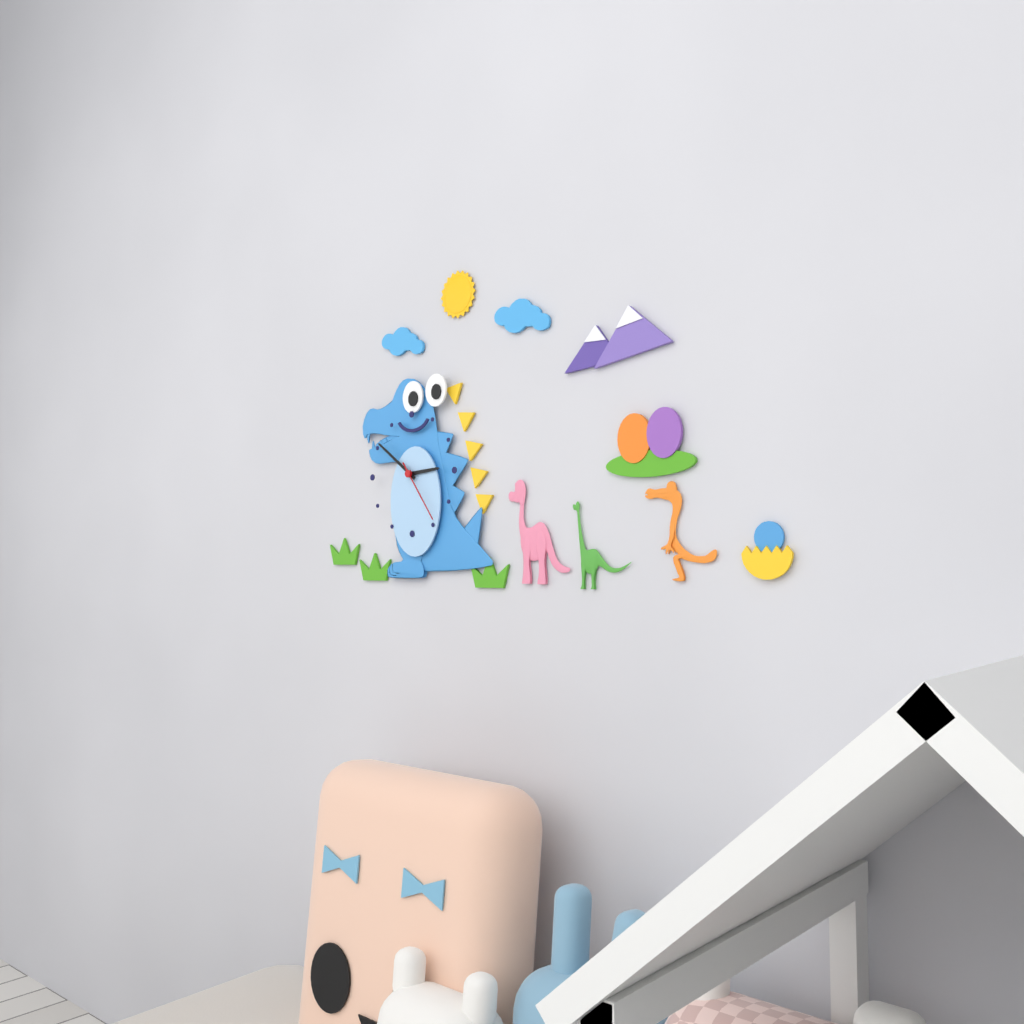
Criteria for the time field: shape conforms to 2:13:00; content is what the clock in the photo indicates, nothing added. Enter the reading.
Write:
2:51:24
